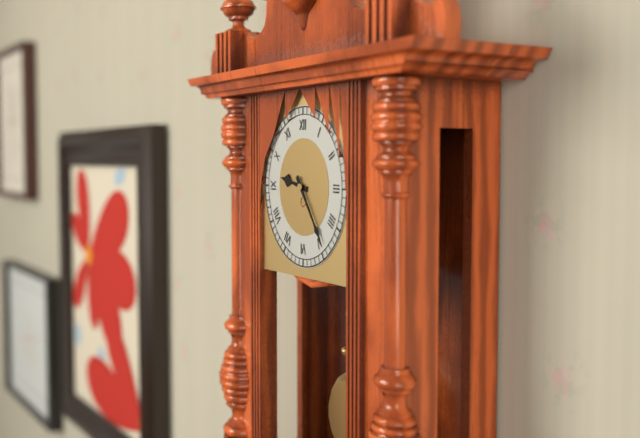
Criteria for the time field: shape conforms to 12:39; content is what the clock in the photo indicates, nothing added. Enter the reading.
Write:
9:24
